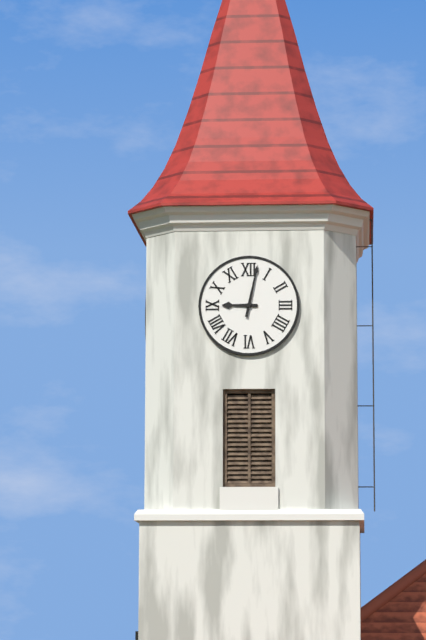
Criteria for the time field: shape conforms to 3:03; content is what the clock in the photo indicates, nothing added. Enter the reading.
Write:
9:02
